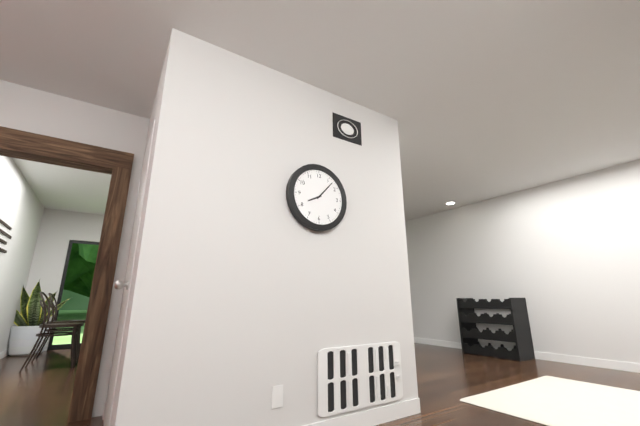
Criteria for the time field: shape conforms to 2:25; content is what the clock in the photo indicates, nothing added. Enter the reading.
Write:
8:07
